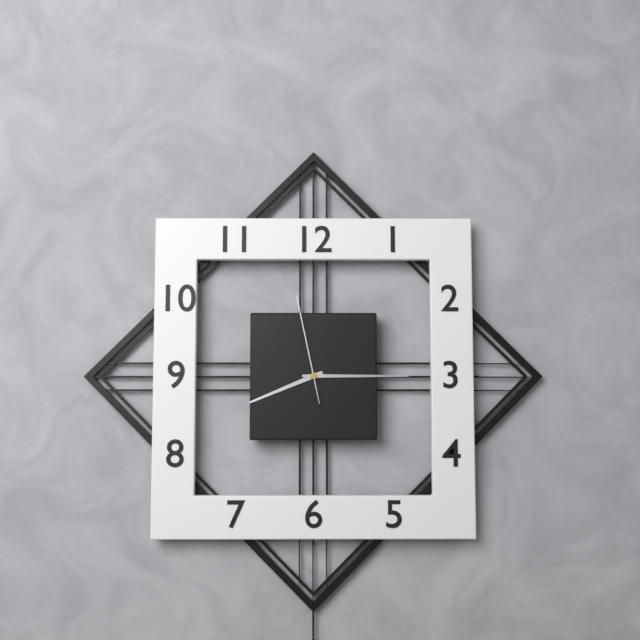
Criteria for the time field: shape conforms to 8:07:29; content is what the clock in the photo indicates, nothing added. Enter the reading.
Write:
8:15:58
